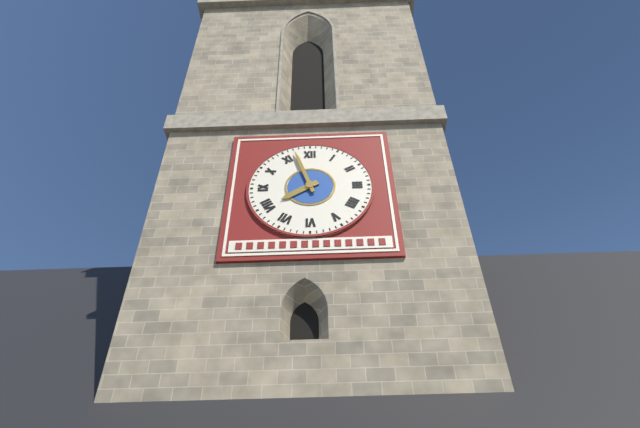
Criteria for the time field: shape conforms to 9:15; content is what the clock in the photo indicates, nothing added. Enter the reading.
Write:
7:57
